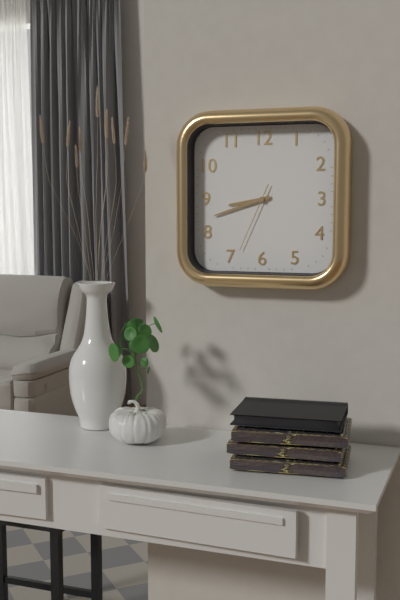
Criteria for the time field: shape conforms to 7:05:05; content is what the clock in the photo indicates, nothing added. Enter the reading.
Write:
8:42:34
